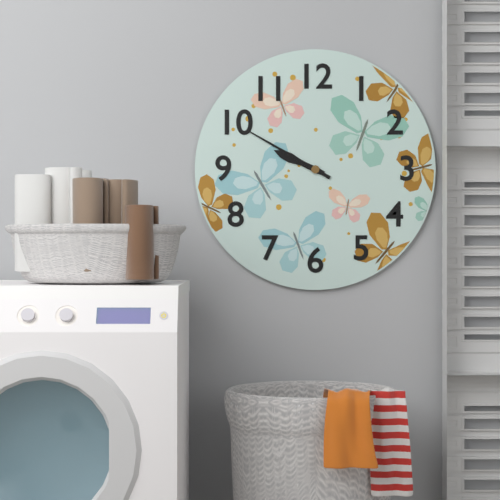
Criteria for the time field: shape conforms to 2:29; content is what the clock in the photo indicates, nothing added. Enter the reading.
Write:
9:50
